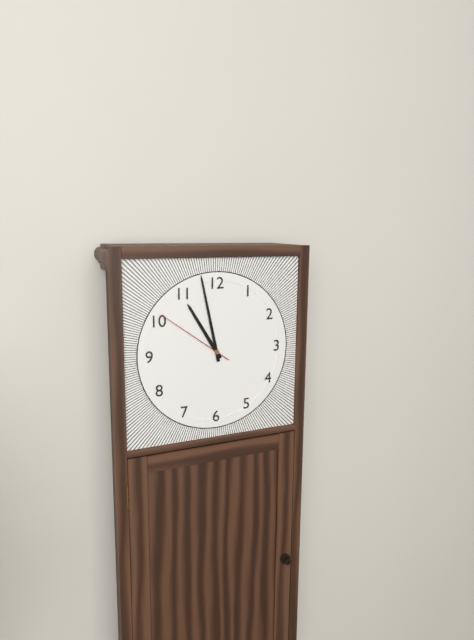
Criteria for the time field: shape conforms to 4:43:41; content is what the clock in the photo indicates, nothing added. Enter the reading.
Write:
10:58:51
